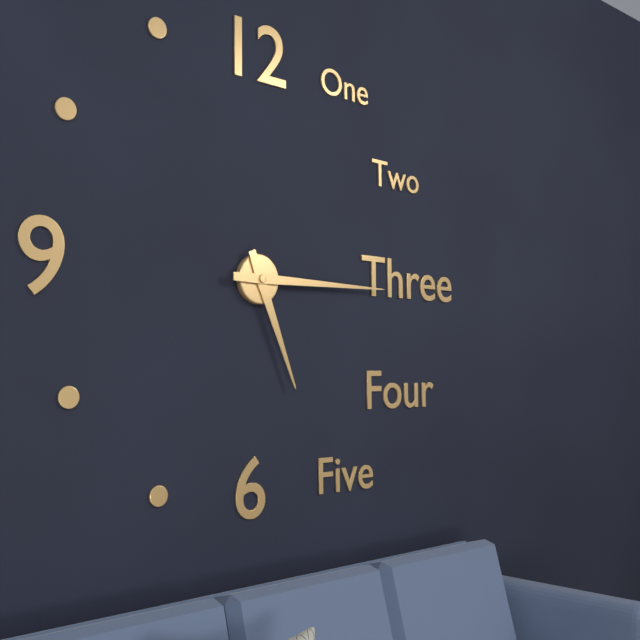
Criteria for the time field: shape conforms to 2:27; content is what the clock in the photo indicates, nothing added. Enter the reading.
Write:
5:15
